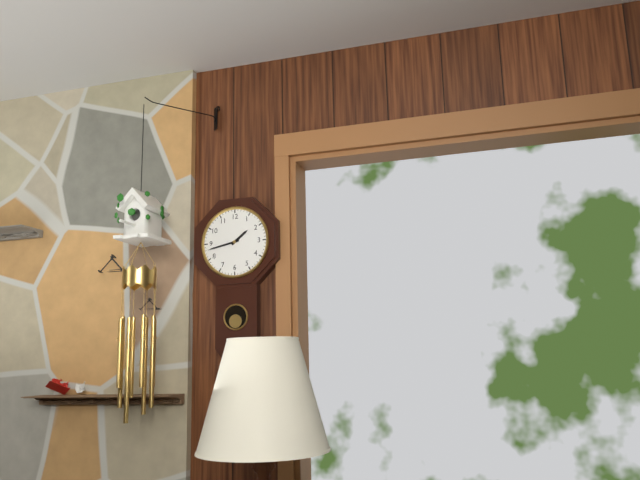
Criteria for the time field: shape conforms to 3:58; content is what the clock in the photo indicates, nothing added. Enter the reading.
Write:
1:43
